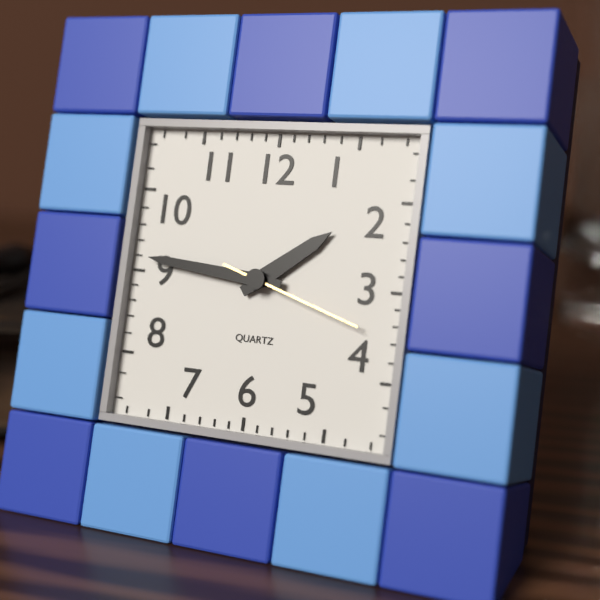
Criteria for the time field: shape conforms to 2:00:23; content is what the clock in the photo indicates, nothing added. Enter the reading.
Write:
1:46:18
